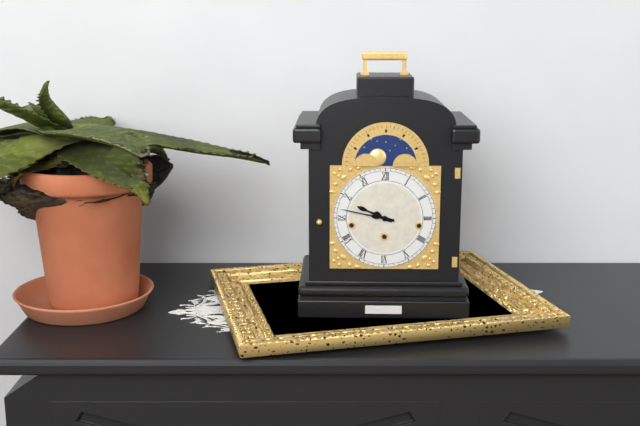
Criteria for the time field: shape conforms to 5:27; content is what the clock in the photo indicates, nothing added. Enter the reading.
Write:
9:47
